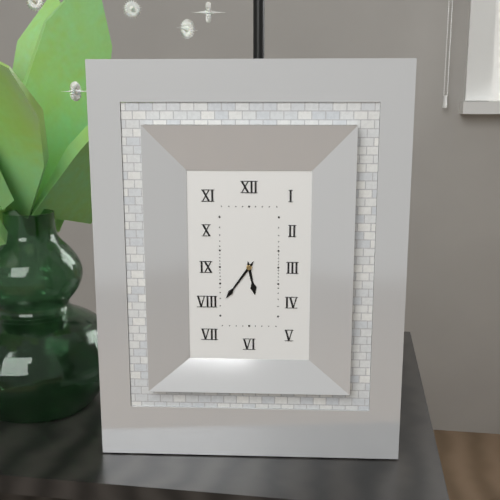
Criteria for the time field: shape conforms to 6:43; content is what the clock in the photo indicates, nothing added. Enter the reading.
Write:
5:36
